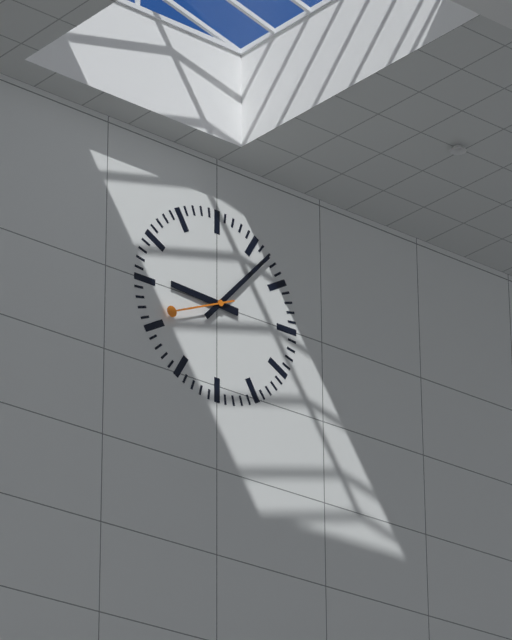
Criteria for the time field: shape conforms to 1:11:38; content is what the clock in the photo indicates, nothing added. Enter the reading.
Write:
9:07:41
